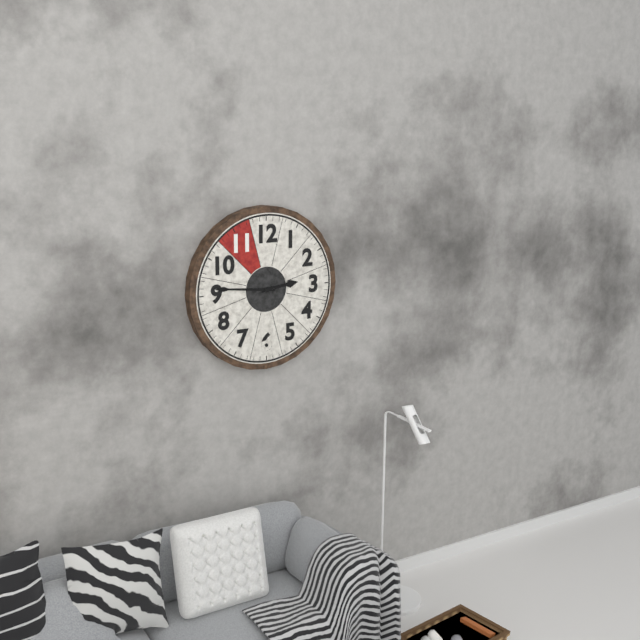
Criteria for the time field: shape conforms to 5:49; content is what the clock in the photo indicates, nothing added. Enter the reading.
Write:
2:46
